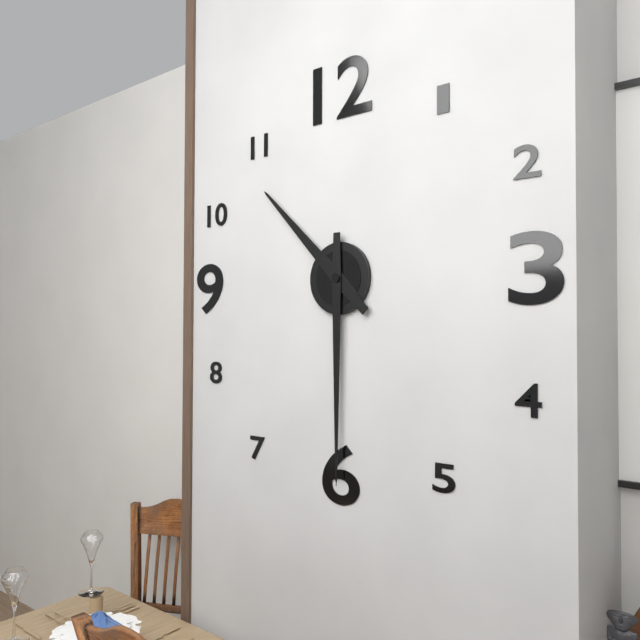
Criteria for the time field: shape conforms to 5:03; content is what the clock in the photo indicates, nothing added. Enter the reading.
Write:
10:30
